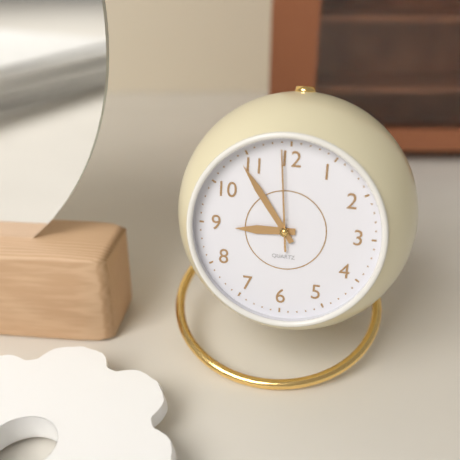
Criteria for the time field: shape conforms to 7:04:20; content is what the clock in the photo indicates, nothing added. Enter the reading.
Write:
8:54:59
